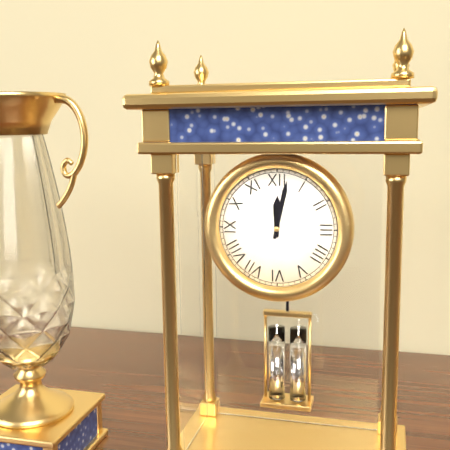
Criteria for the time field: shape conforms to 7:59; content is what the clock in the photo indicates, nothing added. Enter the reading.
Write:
12:02
